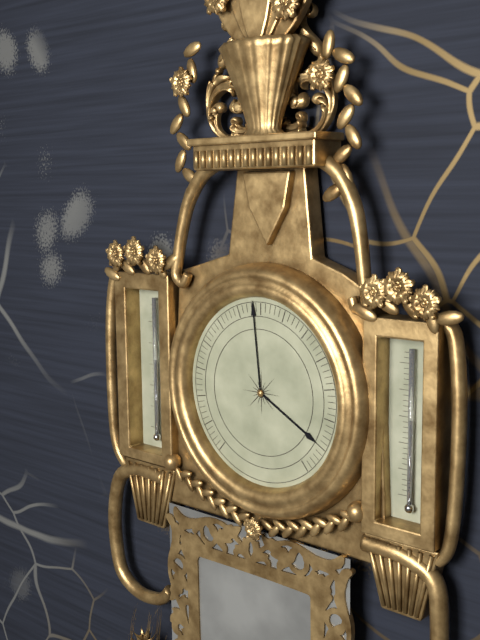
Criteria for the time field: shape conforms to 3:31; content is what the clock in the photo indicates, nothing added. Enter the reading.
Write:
3:59
